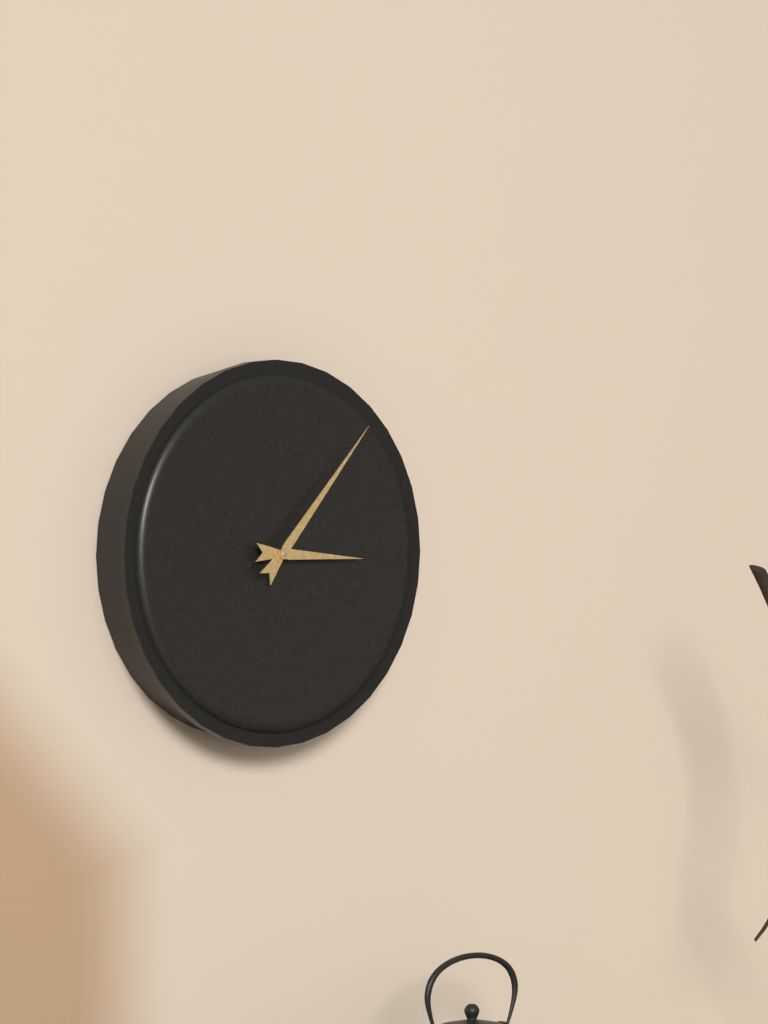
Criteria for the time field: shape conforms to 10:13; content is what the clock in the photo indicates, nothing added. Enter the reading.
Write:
3:07
